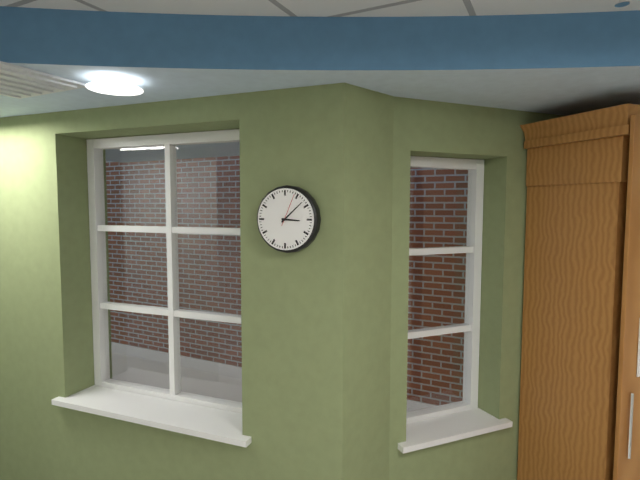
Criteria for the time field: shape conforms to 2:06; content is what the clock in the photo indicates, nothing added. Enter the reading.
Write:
3:08
